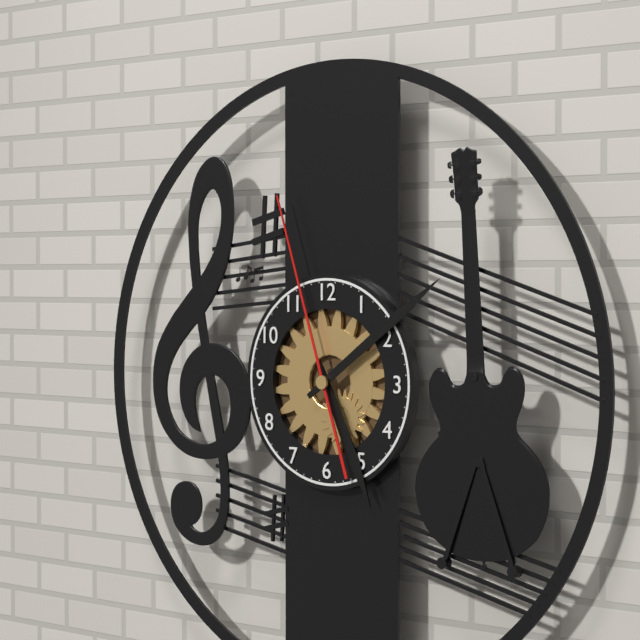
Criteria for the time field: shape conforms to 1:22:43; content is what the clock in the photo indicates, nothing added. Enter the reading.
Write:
5:09:57
